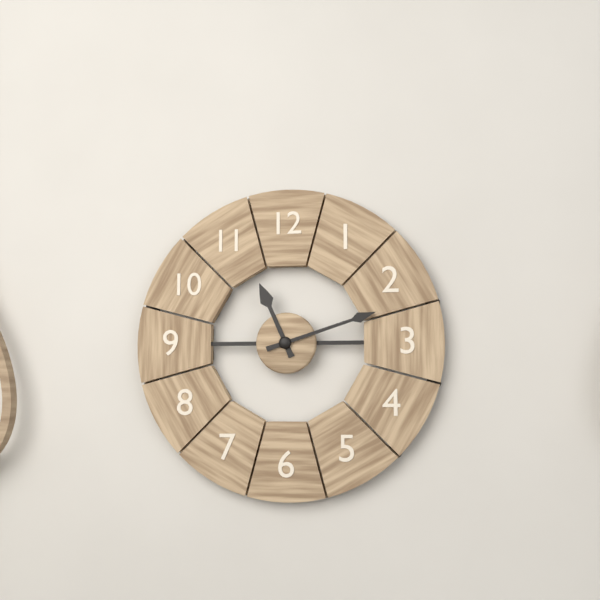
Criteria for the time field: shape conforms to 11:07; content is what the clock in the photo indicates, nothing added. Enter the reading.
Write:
11:12
